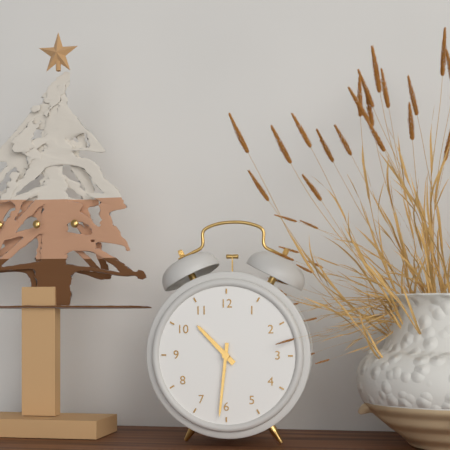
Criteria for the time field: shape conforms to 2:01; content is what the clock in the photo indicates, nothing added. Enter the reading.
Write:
10:31
